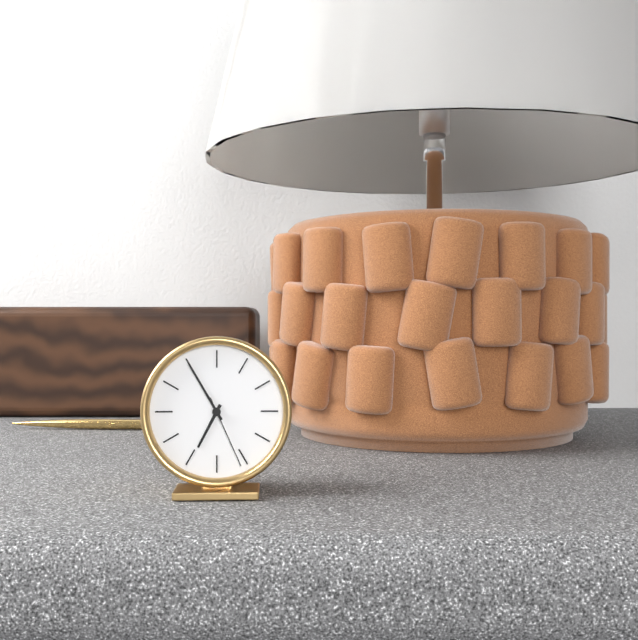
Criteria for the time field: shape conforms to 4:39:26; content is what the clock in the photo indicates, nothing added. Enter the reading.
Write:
6:55:26
